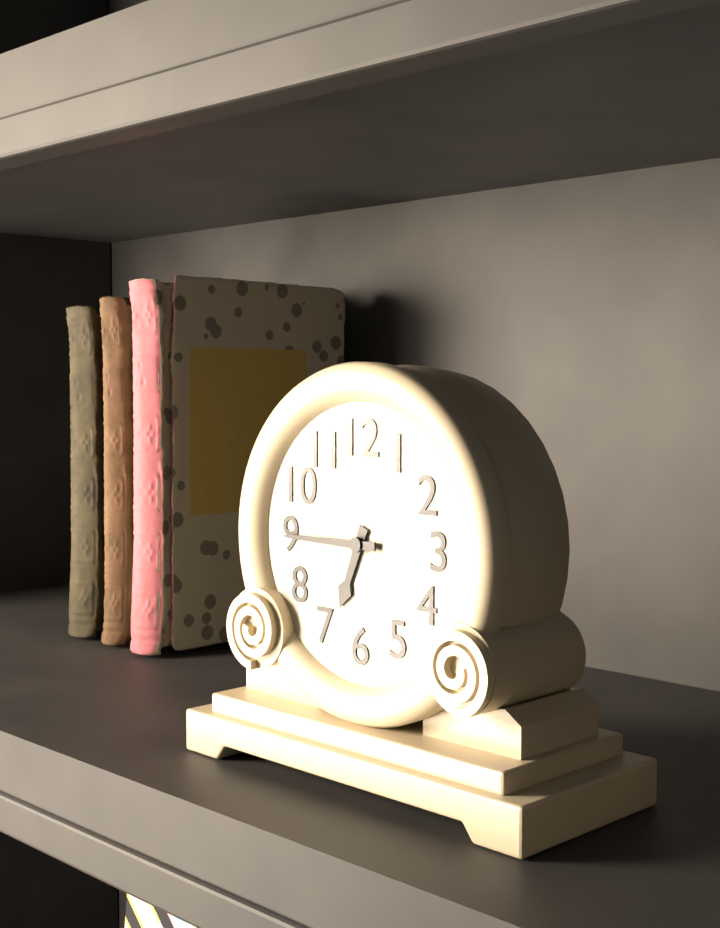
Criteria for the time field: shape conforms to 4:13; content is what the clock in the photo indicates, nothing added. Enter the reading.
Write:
6:45
